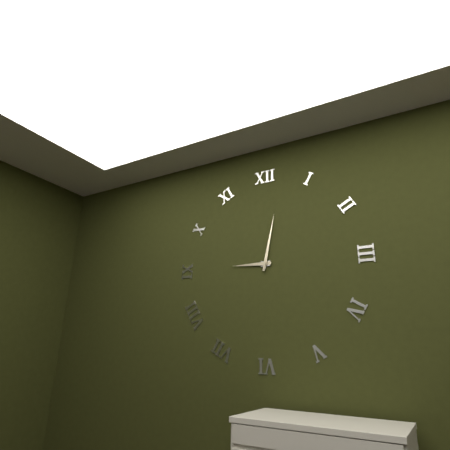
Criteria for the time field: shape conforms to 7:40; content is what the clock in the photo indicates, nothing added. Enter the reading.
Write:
9:02
